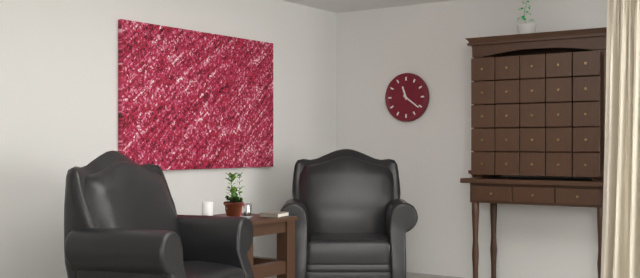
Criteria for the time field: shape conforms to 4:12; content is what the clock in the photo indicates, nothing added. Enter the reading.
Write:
11:21
